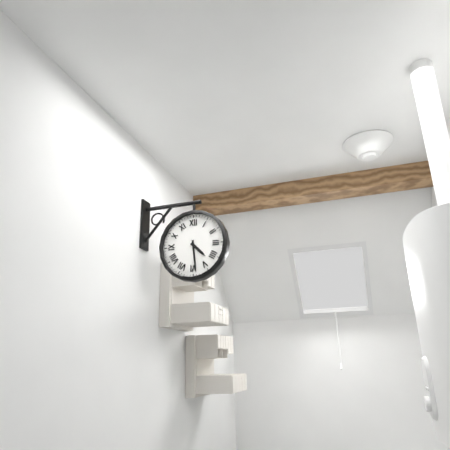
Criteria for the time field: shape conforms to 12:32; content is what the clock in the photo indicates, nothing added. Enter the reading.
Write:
4:29
